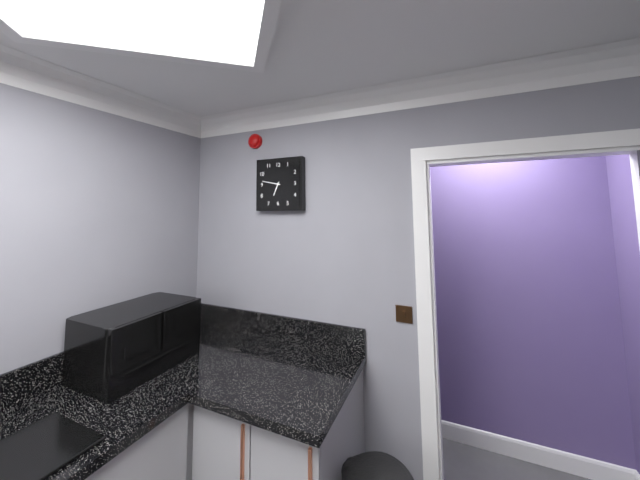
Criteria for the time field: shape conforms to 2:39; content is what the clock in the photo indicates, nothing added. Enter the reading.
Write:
6:47
